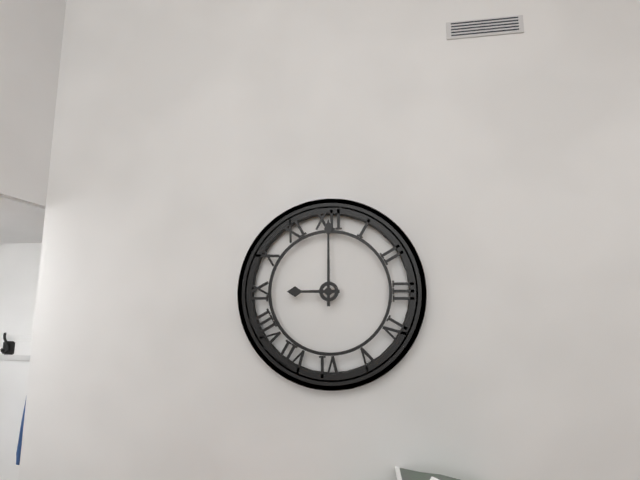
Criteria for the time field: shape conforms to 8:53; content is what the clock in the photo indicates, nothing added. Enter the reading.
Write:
9:00
